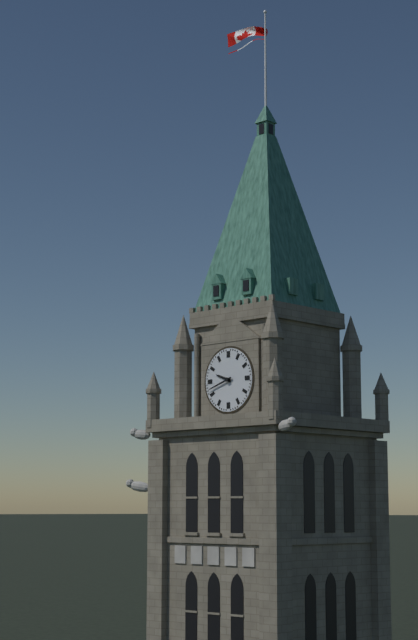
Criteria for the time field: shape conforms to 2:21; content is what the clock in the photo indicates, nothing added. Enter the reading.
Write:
9:42
